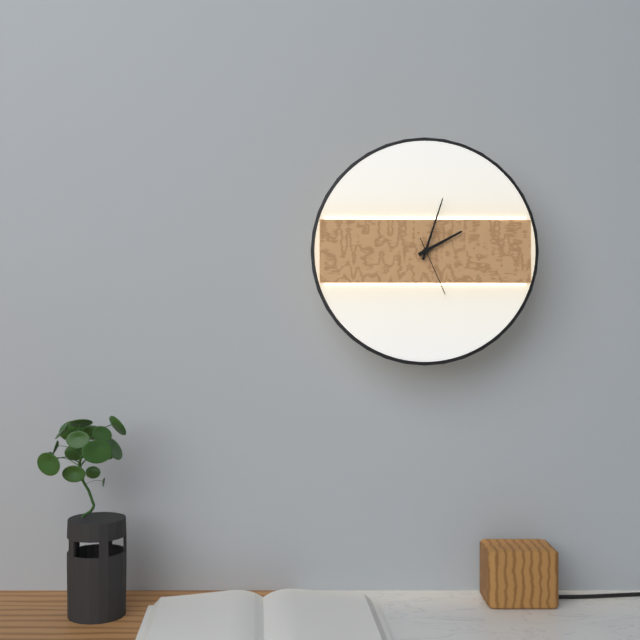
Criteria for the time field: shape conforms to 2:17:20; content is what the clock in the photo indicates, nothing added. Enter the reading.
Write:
2:03:26
